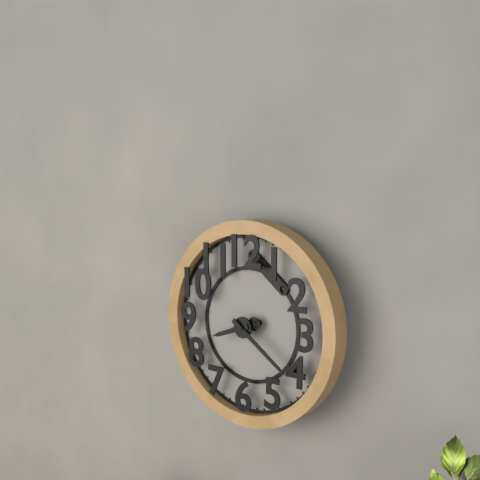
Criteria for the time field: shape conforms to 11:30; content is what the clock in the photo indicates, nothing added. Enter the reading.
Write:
8:21
